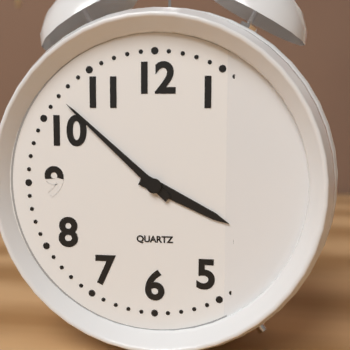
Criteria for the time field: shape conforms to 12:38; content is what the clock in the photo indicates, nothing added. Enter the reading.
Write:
3:52
